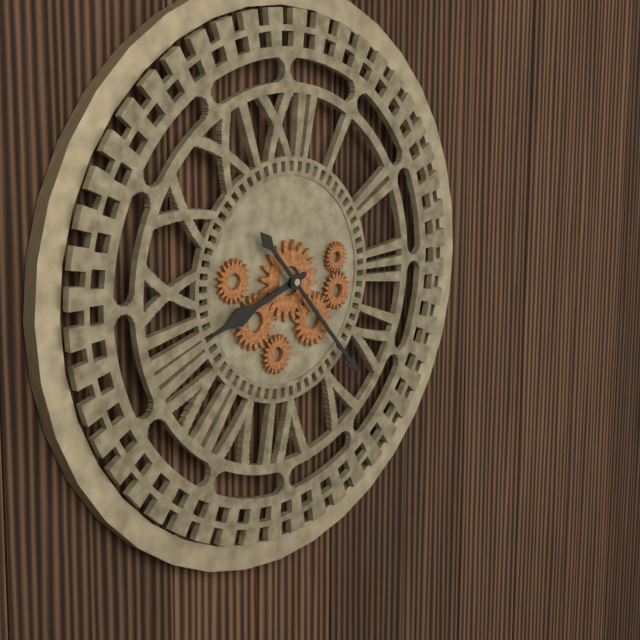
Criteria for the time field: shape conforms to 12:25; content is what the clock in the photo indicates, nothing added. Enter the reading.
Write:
8:23
